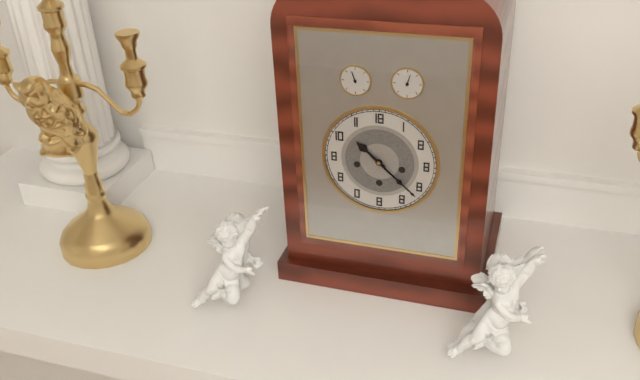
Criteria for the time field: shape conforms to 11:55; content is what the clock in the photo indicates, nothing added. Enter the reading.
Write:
10:22
